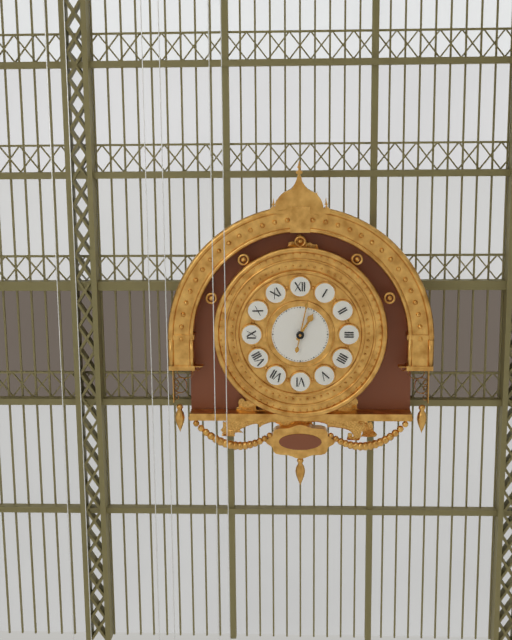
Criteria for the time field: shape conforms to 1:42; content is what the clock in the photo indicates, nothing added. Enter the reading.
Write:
1:02
